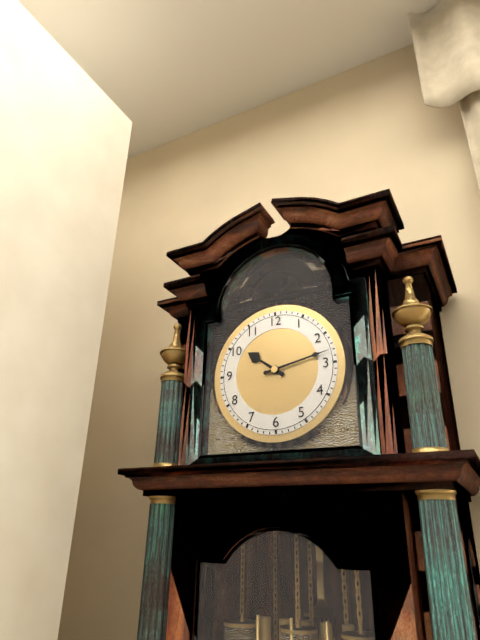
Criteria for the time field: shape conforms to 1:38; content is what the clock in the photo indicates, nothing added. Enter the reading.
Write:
10:13
